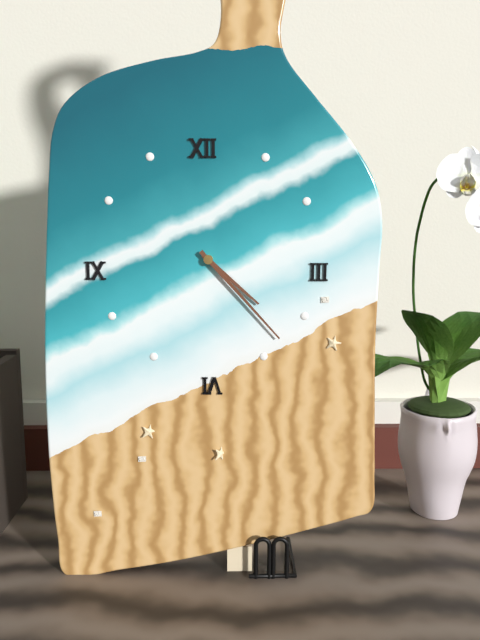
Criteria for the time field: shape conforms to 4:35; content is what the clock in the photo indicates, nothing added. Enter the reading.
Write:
4:23
